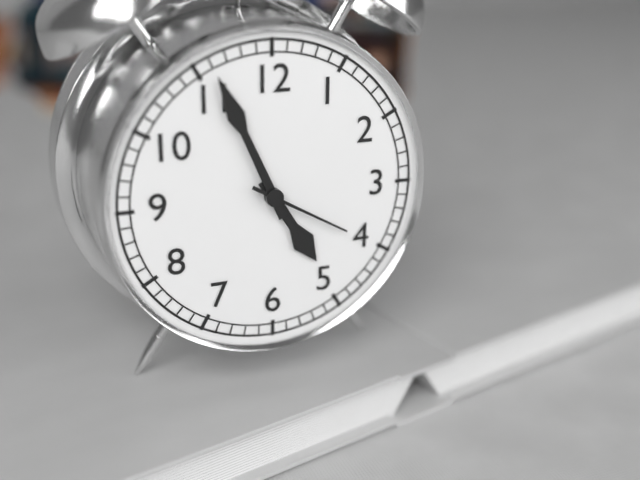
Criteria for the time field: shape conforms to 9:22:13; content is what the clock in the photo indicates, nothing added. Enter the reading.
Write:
4:56:20
